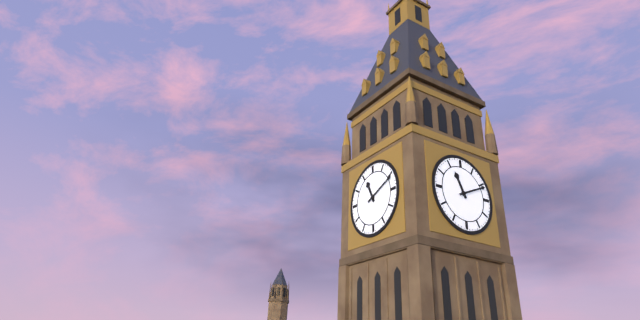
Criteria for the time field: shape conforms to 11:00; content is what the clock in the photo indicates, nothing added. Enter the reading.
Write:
11:11
